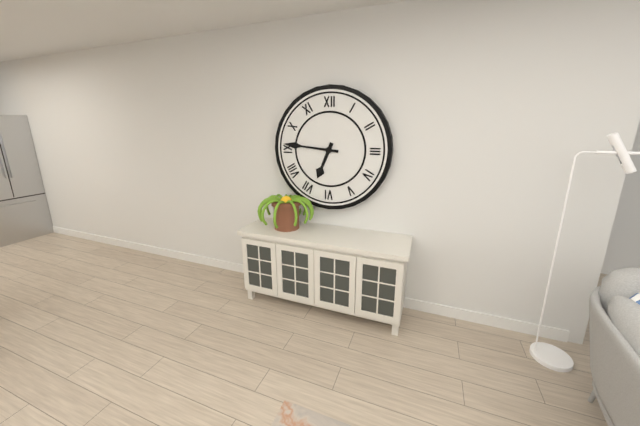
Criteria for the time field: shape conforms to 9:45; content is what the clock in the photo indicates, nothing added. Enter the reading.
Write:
6:46
